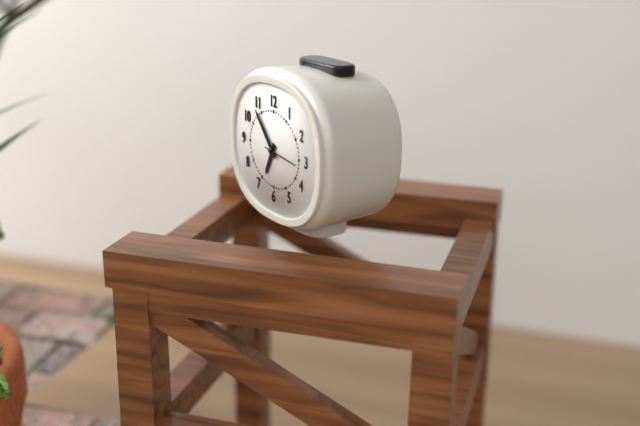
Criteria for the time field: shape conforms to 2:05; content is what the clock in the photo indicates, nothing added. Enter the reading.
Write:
6:53
